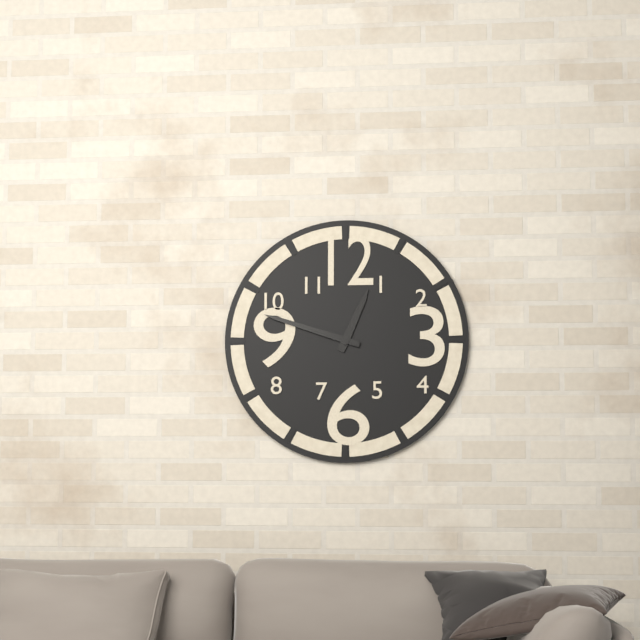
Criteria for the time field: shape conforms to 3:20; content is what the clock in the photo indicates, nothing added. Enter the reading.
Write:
12:48
